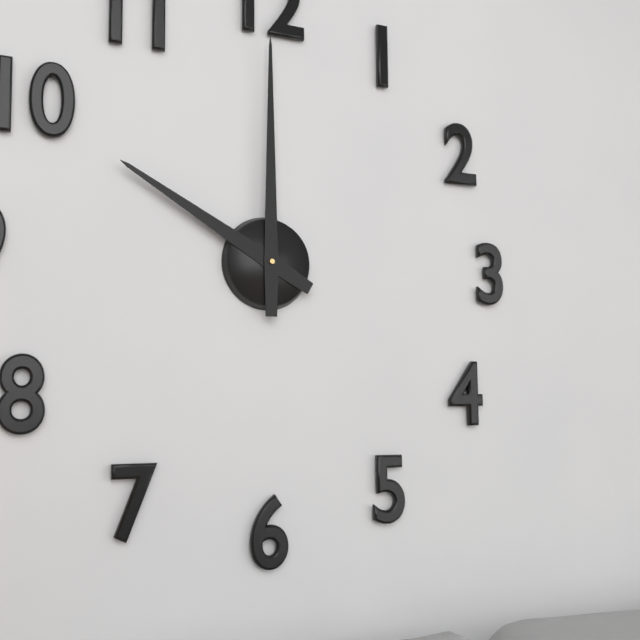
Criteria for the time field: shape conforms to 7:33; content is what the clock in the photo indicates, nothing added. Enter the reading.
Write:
10:00
